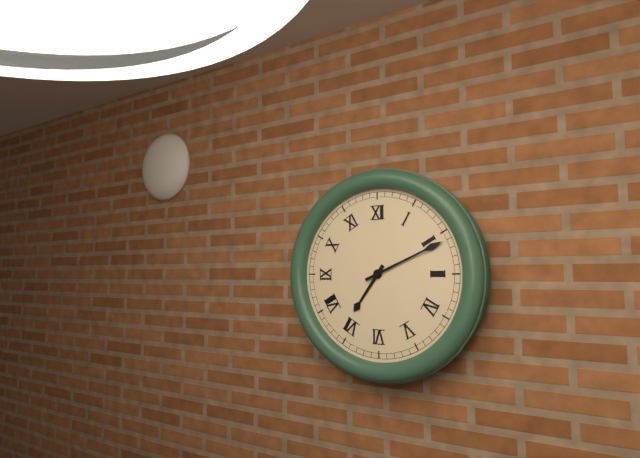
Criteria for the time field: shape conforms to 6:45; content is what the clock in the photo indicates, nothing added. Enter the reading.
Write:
7:11
